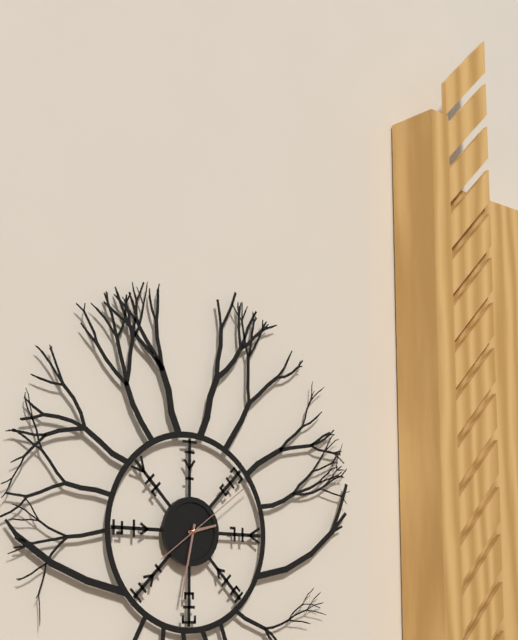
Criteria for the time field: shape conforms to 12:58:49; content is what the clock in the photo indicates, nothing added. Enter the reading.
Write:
2:32:09
